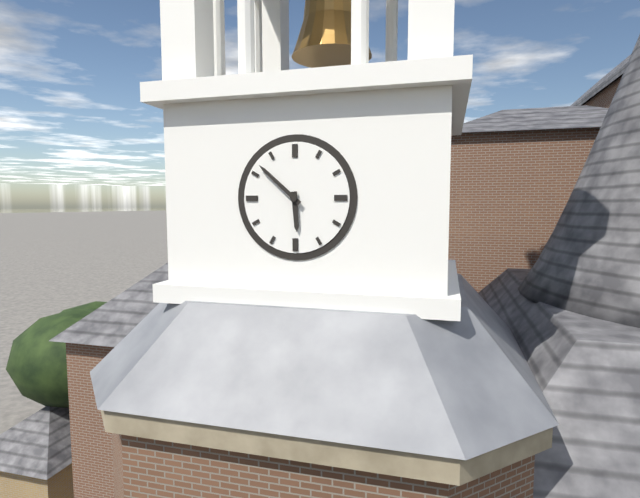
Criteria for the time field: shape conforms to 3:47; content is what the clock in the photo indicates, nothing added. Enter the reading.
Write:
5:52
